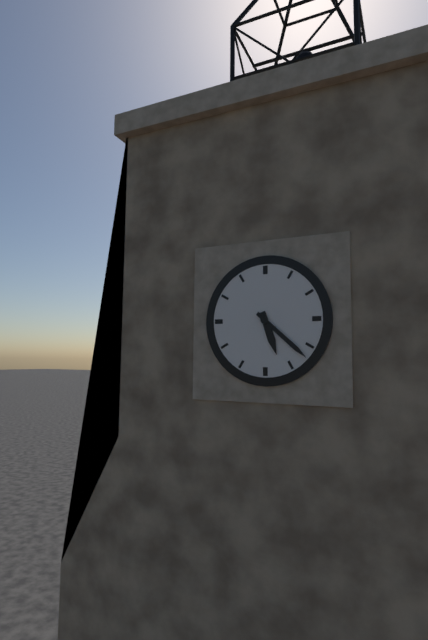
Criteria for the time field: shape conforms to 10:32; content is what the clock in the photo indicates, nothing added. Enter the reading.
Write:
5:22
